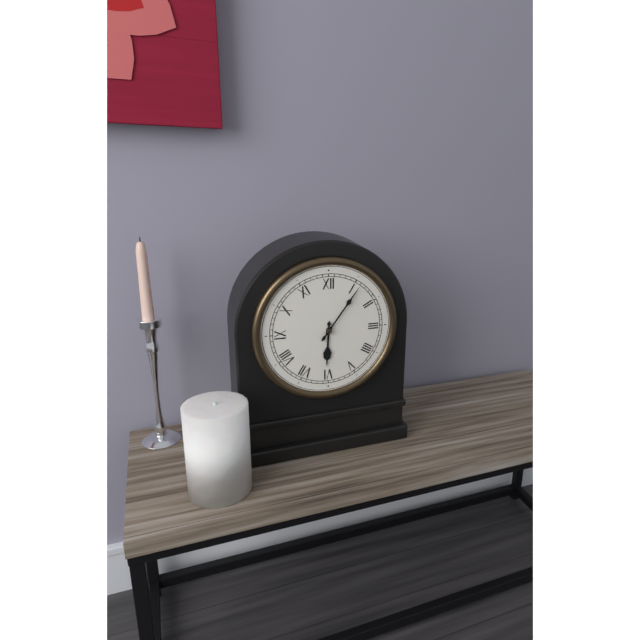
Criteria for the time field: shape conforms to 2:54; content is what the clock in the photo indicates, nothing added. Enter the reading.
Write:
6:06
